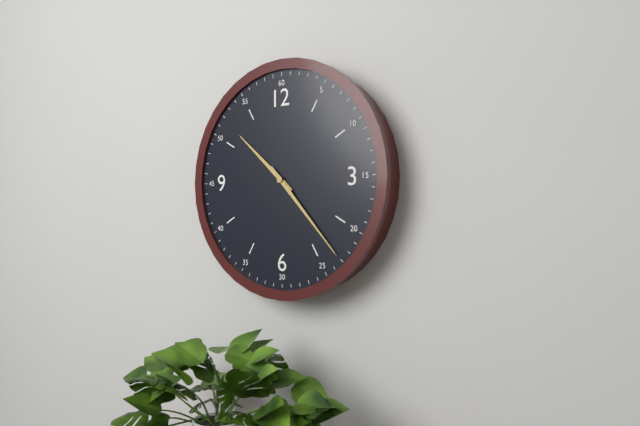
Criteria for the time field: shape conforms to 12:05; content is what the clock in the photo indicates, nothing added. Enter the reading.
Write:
10:23
